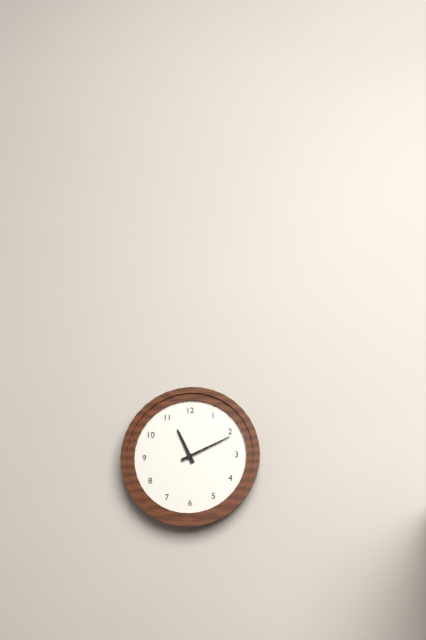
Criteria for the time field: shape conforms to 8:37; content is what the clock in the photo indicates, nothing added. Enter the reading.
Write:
11:11
